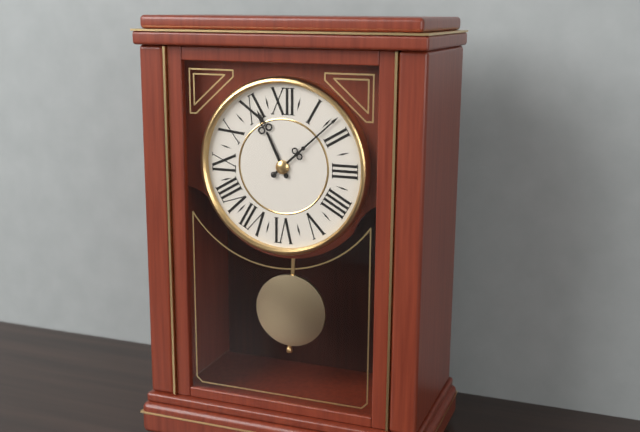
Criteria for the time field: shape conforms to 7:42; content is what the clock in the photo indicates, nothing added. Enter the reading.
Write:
11:08
